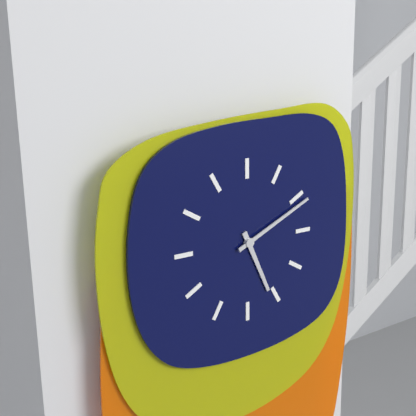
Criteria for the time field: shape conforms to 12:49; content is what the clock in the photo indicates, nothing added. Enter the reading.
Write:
5:11
